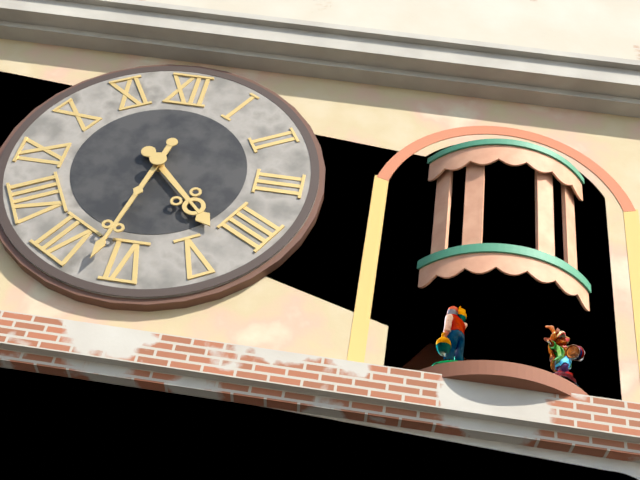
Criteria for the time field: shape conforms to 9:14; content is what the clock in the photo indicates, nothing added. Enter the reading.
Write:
4:32
